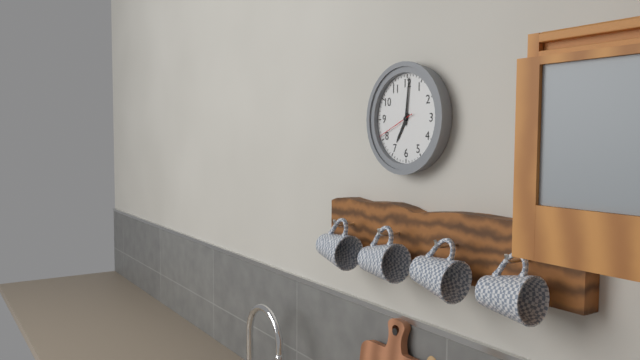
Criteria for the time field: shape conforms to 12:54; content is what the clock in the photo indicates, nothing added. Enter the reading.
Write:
7:01
